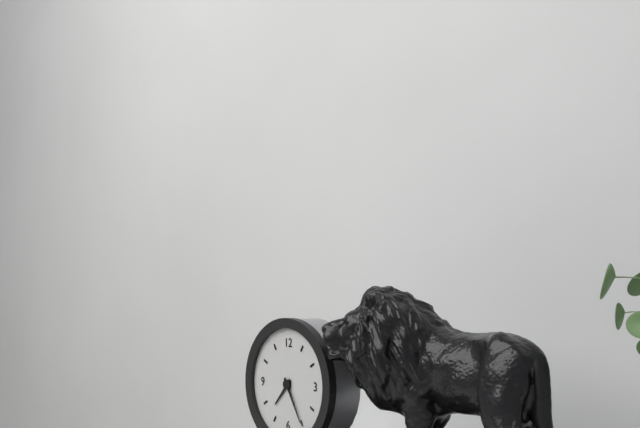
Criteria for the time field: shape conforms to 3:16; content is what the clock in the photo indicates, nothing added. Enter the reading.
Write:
7:25
